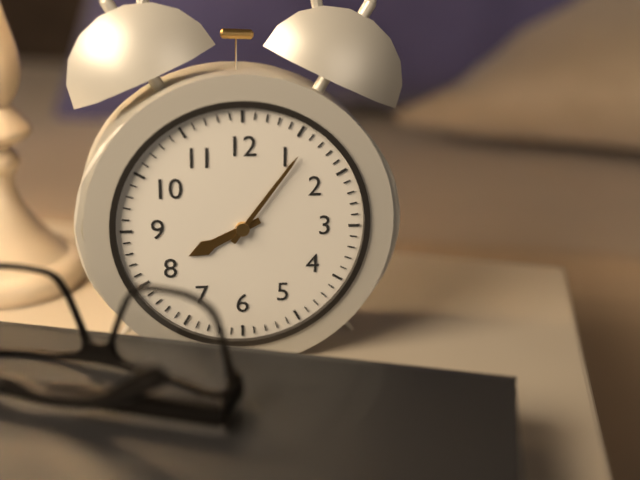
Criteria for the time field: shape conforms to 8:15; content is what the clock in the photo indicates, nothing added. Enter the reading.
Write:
8:06
